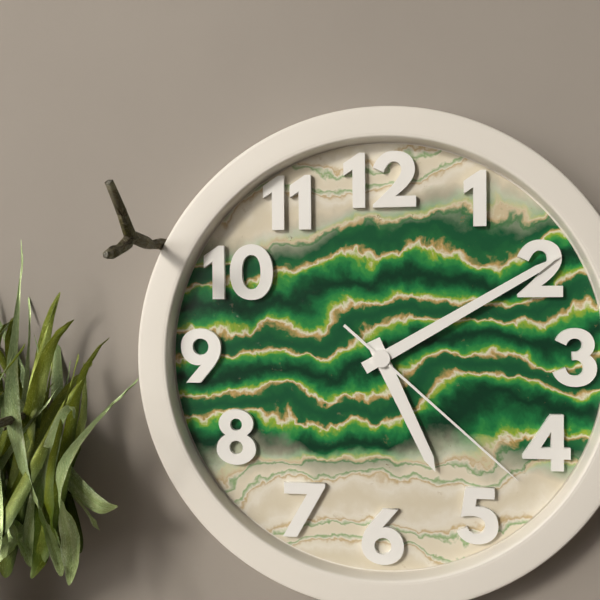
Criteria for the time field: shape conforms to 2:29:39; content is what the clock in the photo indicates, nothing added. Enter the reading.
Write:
5:10:22
